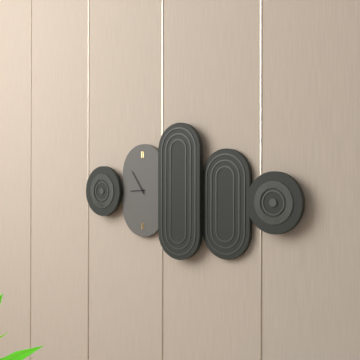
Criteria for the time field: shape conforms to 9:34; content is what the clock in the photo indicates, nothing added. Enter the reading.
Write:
8:54
